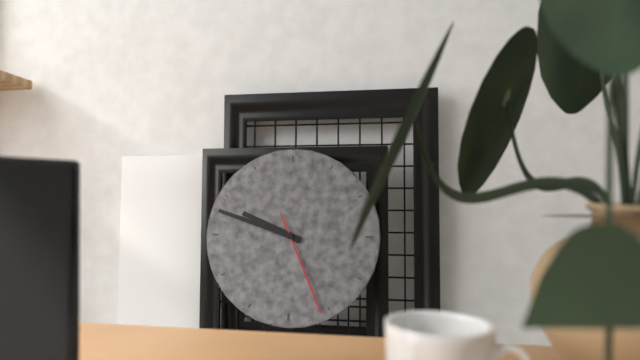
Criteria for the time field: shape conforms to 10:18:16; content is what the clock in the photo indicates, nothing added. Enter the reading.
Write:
9:48:26
